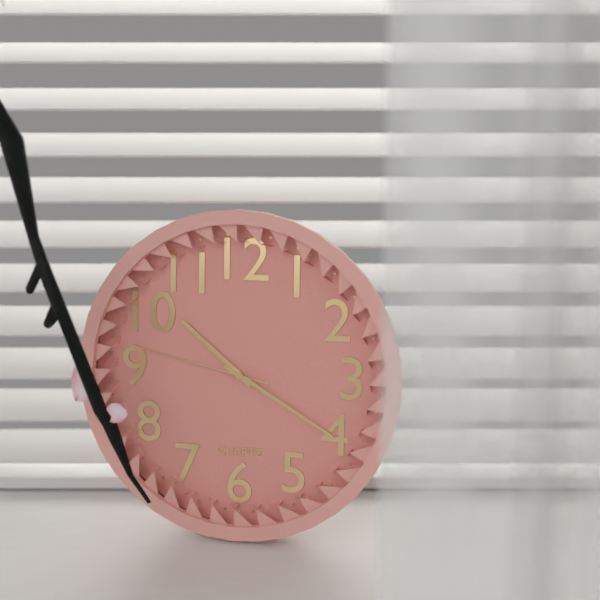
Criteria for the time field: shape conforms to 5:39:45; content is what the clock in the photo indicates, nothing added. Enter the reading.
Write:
10:20:47
